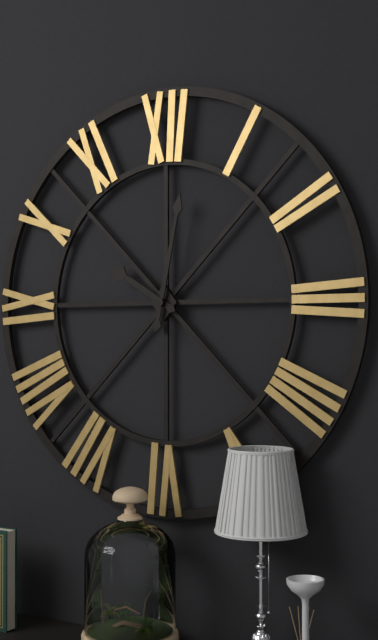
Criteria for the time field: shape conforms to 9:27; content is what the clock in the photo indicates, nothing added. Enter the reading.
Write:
10:02
